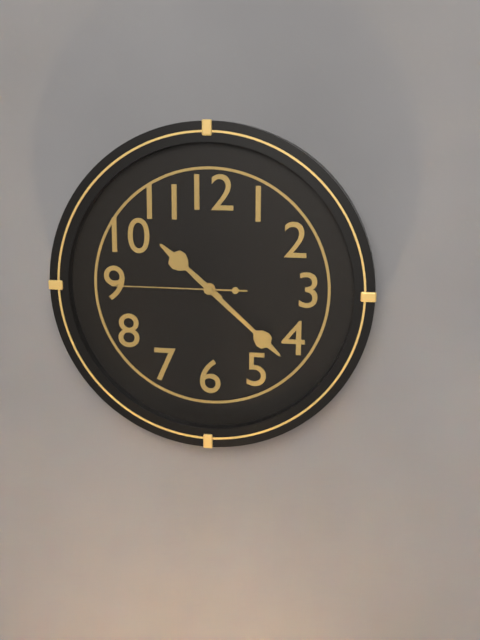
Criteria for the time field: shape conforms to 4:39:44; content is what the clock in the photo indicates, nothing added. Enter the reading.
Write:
10:22:45
